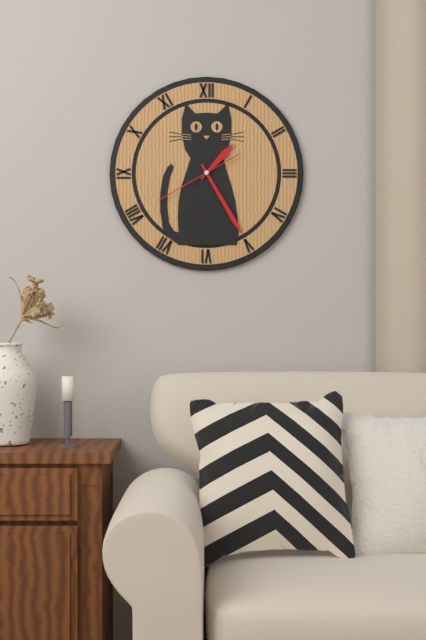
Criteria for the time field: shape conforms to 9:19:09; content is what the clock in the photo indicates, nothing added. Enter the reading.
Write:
1:25:40
